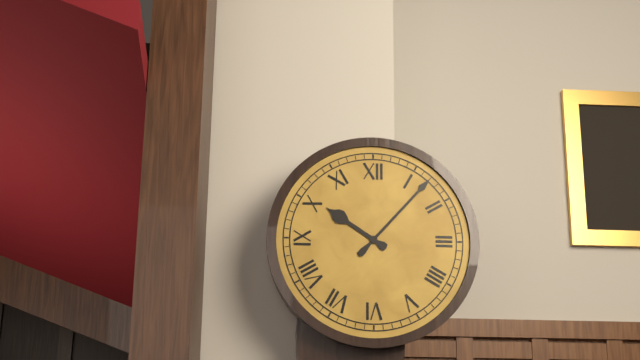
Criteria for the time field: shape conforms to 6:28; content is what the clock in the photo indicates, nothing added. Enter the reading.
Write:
10:07
